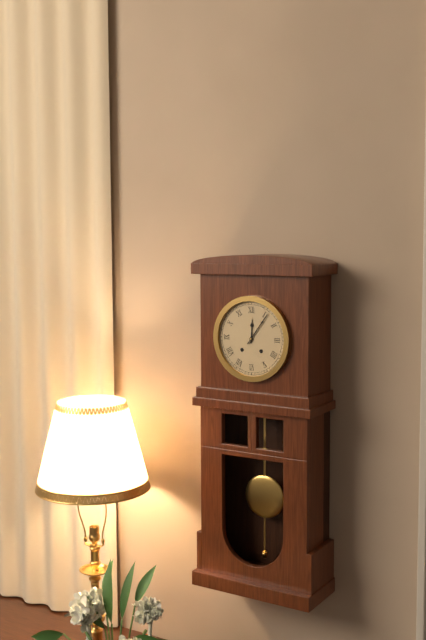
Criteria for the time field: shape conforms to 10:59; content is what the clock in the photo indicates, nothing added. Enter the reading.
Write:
12:06
